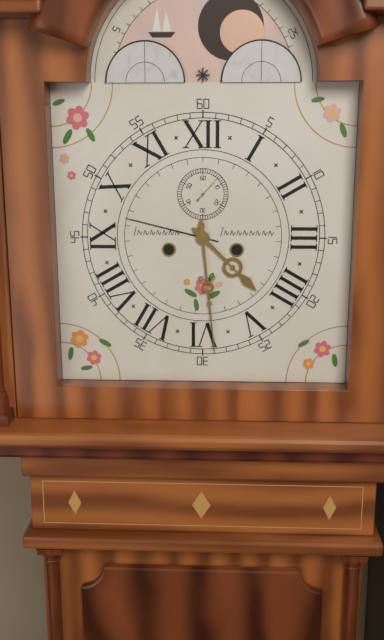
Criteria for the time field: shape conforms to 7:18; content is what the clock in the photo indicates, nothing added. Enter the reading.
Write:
4:29
